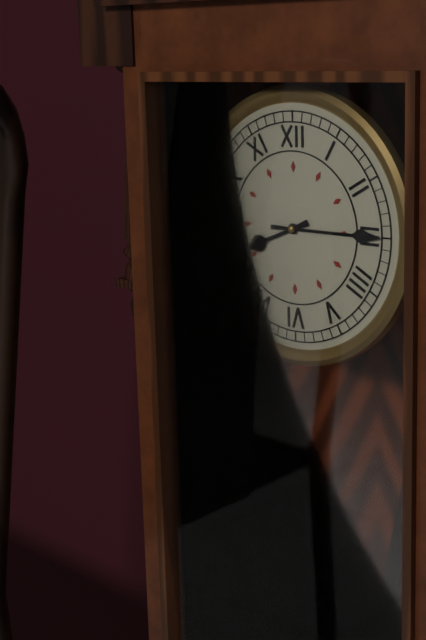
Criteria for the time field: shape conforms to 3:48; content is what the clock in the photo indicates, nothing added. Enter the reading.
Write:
8:15
